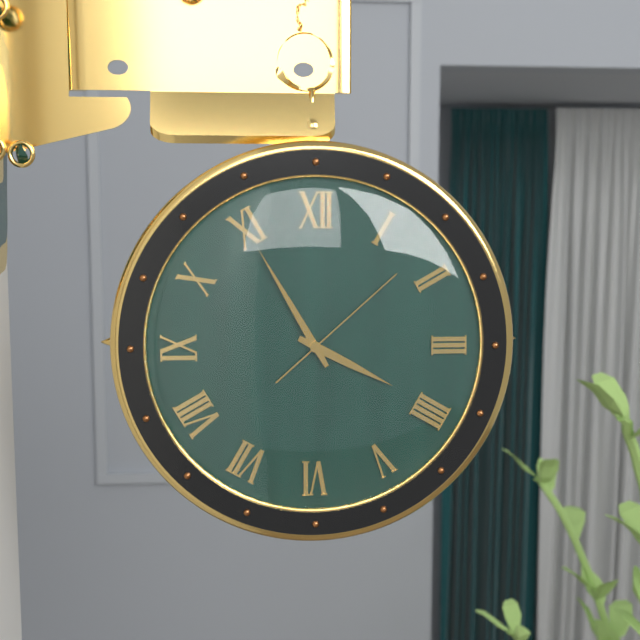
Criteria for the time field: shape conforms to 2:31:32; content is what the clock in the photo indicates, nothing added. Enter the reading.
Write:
3:55:08
